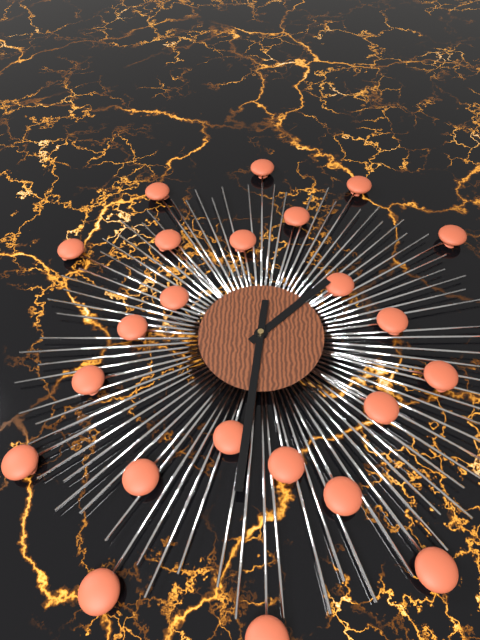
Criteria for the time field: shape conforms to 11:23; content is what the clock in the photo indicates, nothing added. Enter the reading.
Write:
1:31
